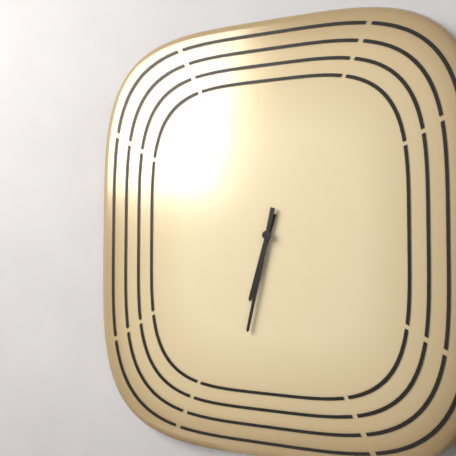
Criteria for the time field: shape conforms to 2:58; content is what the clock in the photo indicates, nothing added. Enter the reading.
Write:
6:32
